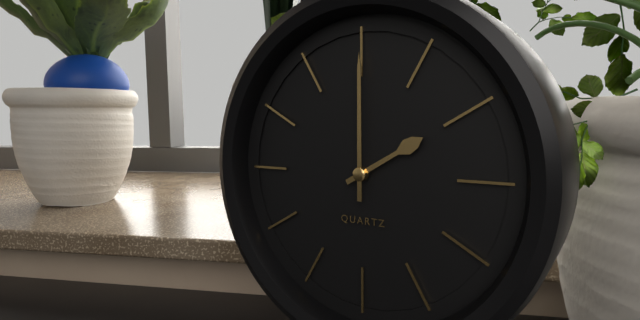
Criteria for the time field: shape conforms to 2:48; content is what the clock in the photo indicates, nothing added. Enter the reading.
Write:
2:00
